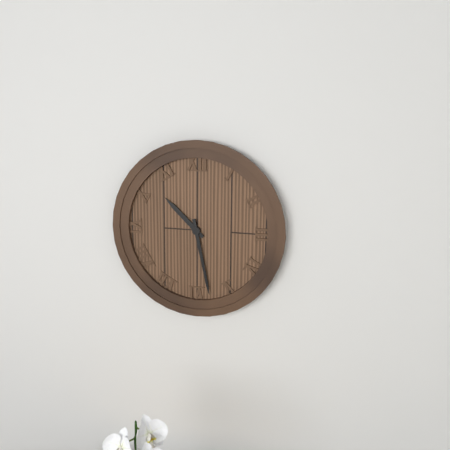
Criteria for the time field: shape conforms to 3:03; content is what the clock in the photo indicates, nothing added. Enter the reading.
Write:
10:28
